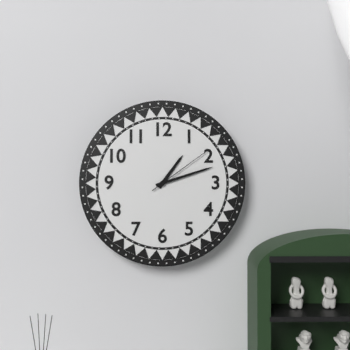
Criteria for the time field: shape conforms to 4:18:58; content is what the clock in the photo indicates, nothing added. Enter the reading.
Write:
1:12:09
